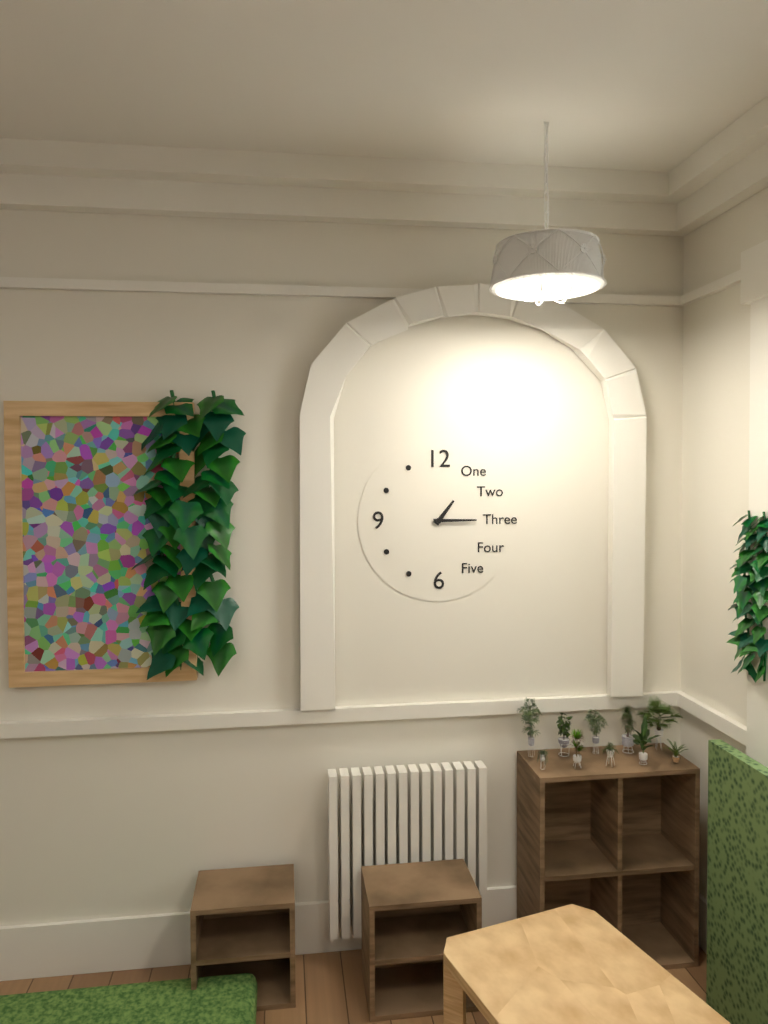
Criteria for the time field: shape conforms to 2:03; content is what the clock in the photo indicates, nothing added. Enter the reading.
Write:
1:15
